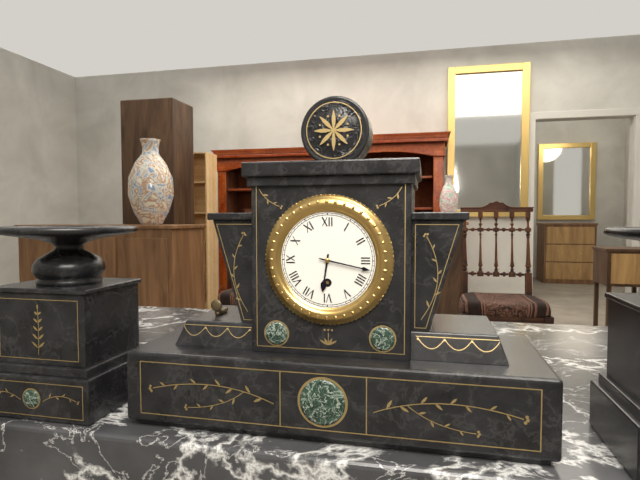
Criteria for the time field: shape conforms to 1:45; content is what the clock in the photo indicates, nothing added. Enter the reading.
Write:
6:17
